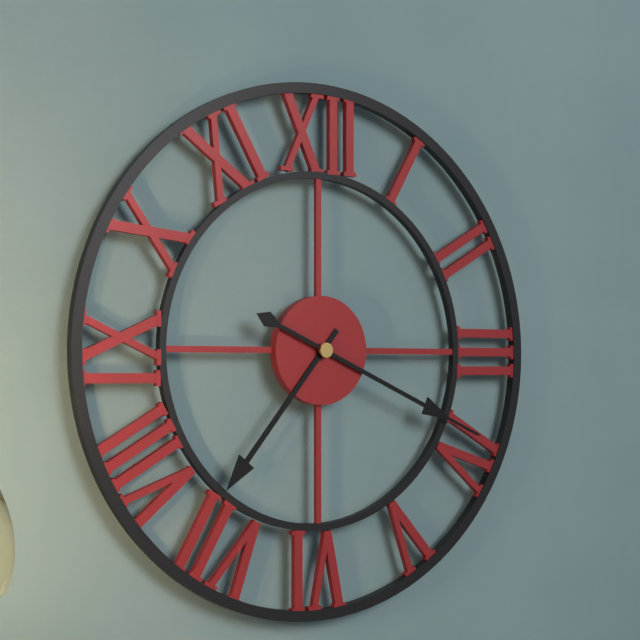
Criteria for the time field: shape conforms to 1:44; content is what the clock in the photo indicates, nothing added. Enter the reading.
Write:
7:19
